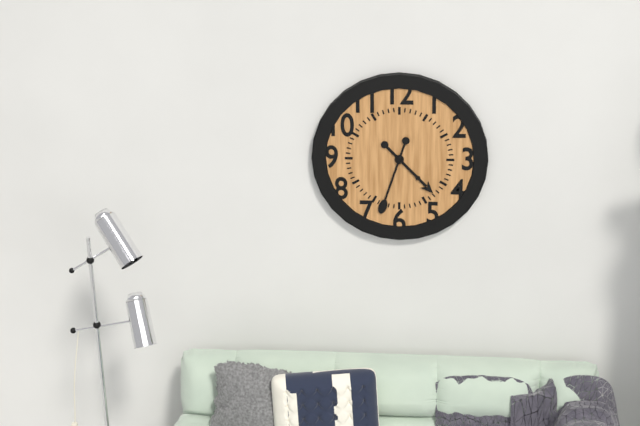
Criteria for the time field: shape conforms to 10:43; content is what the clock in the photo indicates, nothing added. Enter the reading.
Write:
4:33
